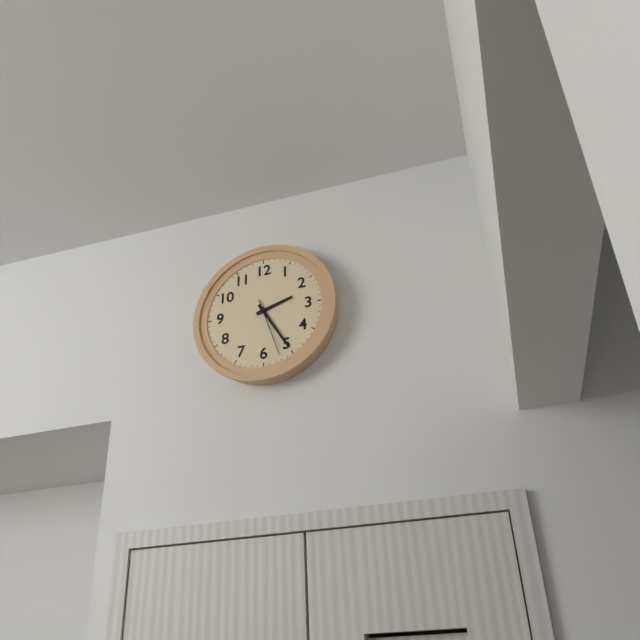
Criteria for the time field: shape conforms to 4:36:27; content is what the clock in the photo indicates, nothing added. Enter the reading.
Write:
2:25:27
